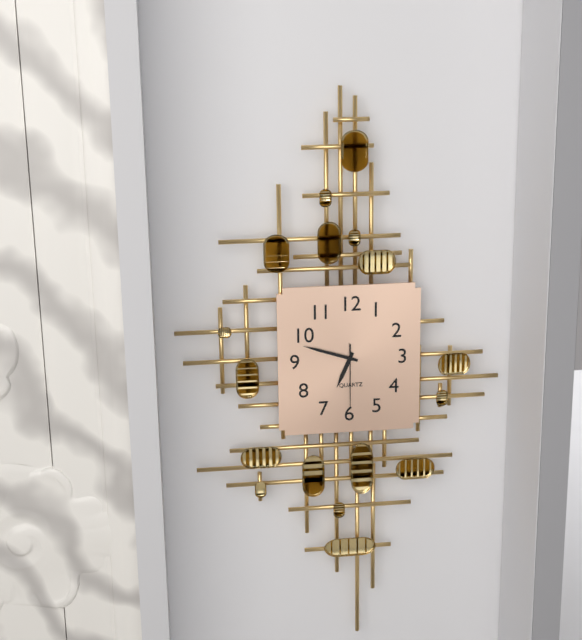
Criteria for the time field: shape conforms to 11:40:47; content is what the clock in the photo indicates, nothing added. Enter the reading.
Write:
6:48:30
